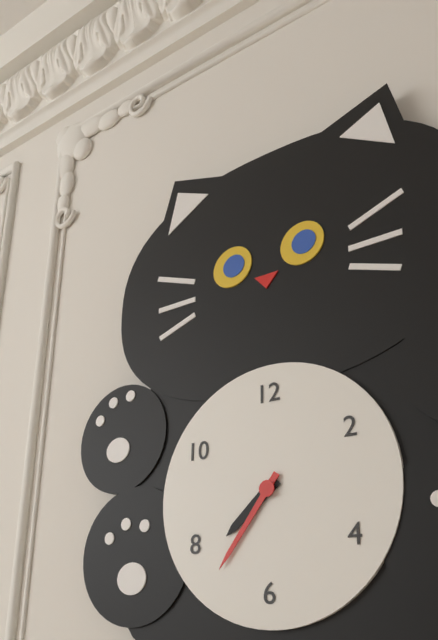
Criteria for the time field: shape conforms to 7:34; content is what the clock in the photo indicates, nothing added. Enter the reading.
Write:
7:36
